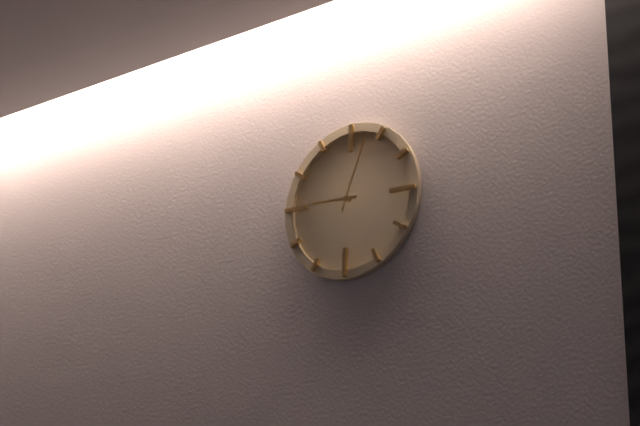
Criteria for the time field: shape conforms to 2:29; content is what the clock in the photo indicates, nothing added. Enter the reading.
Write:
9:03
